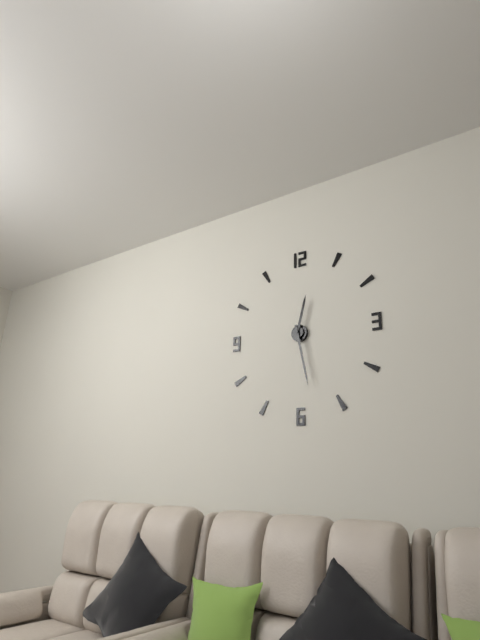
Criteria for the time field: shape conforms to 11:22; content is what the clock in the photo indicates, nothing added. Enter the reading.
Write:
12:28
